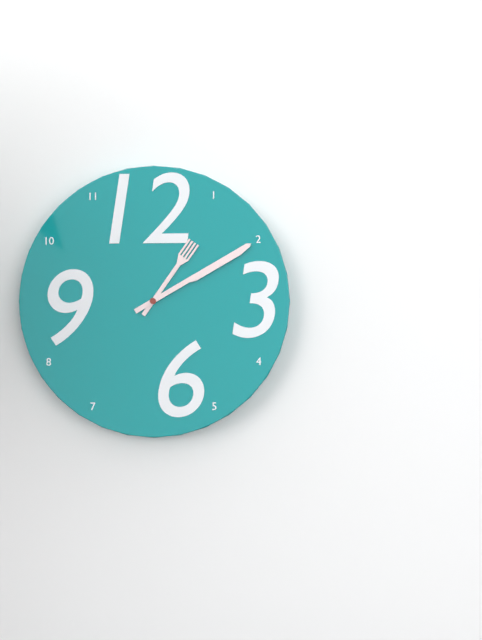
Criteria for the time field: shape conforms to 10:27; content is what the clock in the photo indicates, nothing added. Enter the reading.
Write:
1:10
